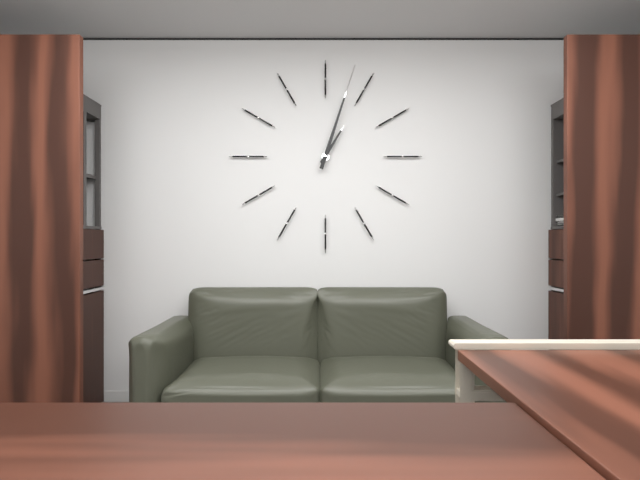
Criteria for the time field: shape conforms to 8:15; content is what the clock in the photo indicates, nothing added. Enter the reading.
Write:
1:03
